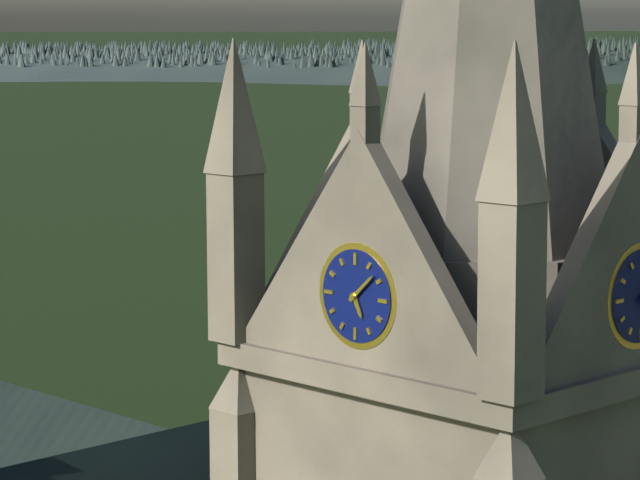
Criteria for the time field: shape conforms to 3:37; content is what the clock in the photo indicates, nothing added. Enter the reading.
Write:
5:08
